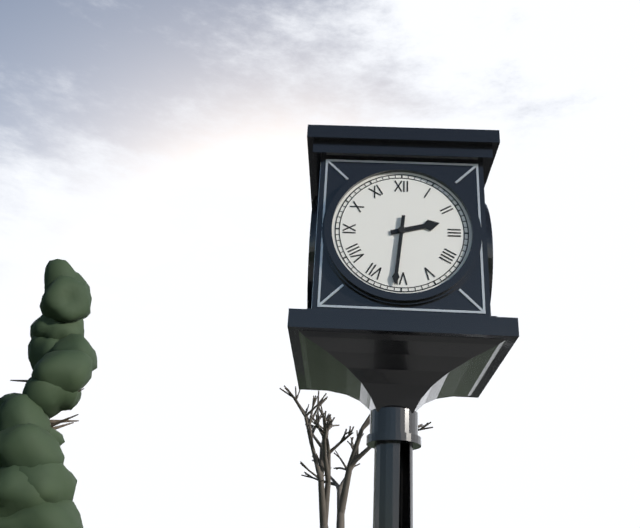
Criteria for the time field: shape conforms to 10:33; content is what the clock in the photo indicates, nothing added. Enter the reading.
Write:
2:31
